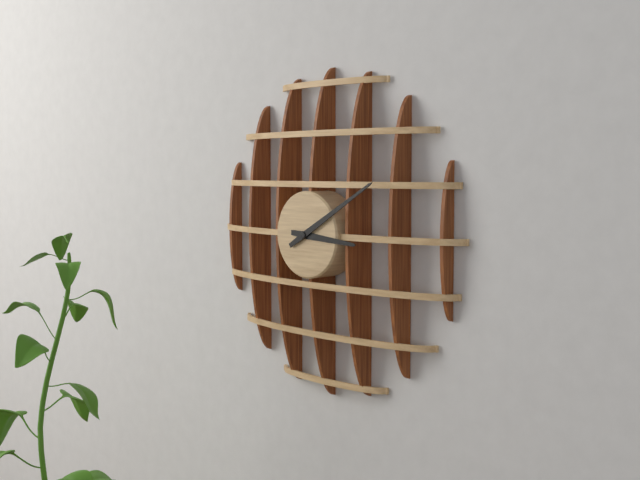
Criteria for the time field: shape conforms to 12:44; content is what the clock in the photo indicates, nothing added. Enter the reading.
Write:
3:10
